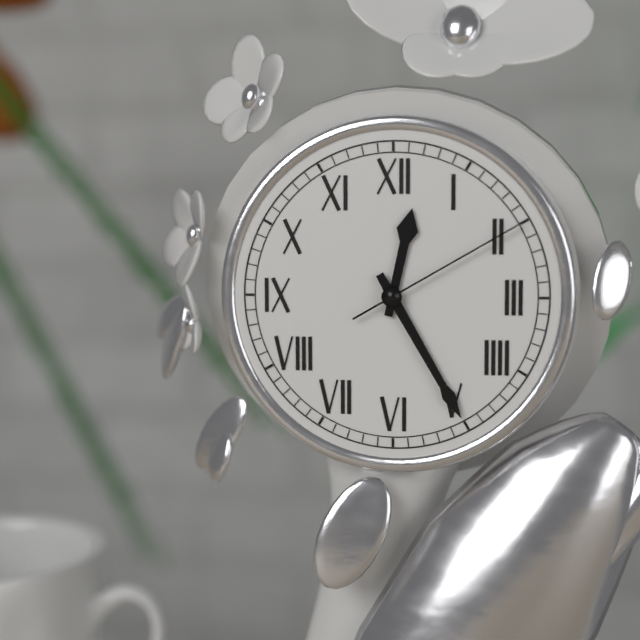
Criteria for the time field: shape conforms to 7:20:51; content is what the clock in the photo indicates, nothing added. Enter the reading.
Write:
12:25:10
